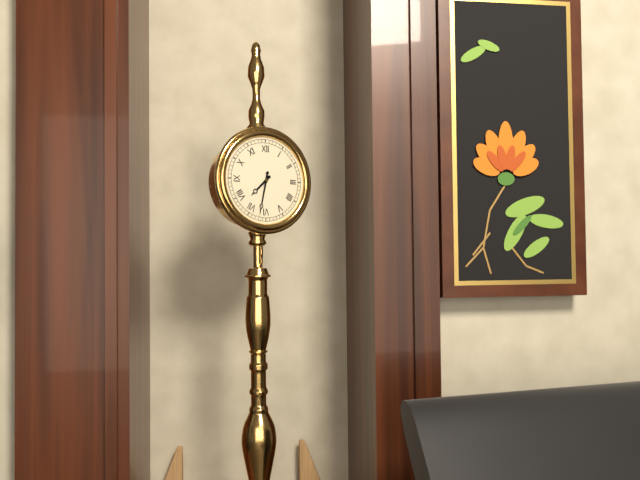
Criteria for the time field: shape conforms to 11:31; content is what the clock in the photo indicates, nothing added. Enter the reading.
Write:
7:32
